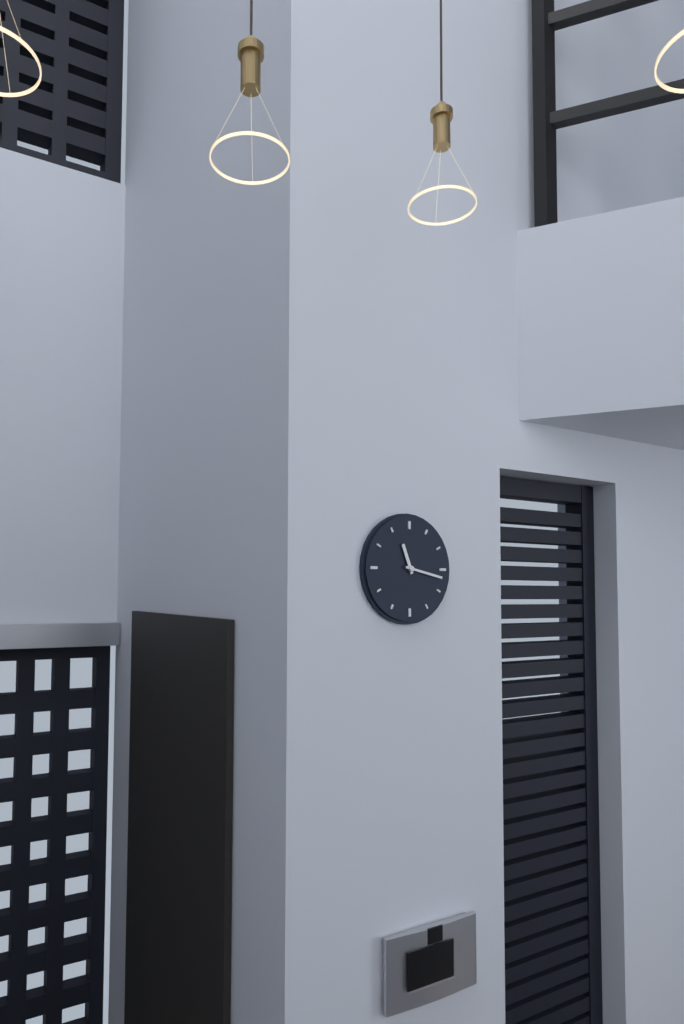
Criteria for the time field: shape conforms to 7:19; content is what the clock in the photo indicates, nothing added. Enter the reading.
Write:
11:17
